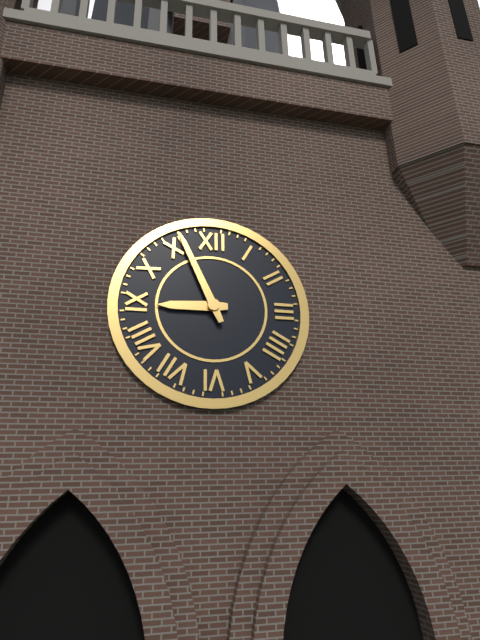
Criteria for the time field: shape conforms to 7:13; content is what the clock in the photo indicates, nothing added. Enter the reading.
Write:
8:56
